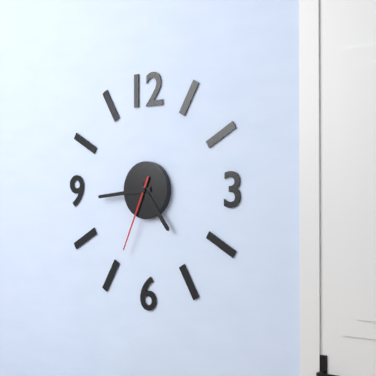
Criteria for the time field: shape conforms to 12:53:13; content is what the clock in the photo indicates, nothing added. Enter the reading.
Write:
4:44:34
